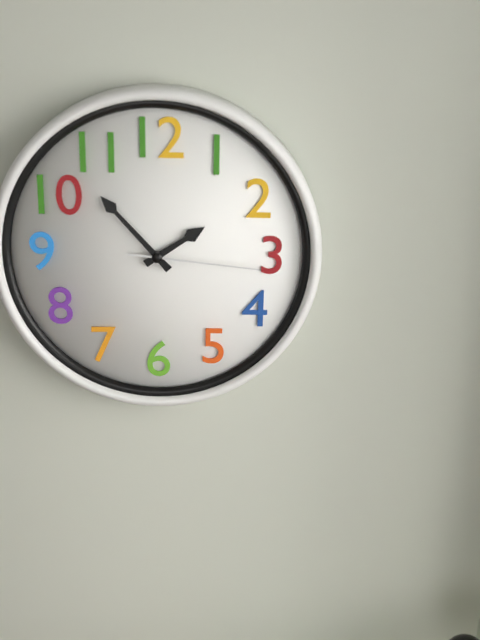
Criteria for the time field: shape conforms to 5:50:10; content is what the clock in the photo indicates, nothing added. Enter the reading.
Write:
1:53:16
